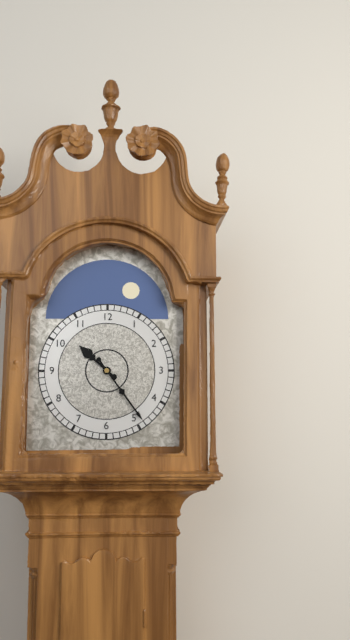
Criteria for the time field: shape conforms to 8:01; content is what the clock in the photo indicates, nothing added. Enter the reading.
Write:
10:24
